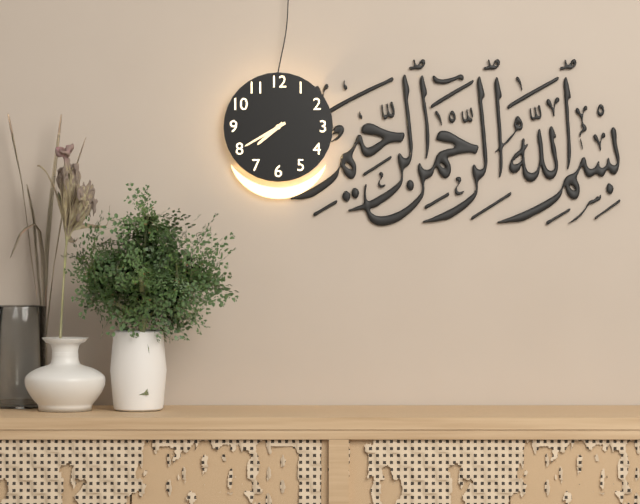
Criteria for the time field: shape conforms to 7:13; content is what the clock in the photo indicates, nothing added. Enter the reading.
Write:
7:40
